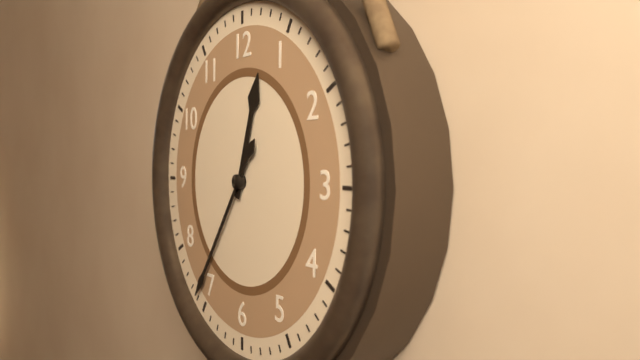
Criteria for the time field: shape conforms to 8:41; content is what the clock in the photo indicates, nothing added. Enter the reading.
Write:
12:36
